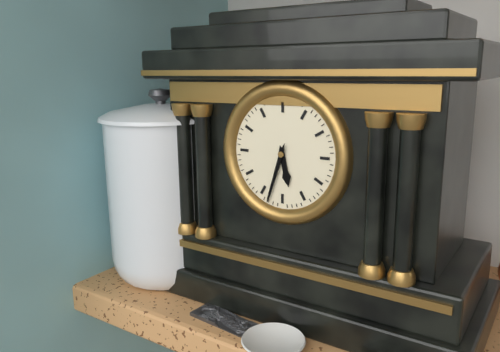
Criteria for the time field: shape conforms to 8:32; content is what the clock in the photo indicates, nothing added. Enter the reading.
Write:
5:33
